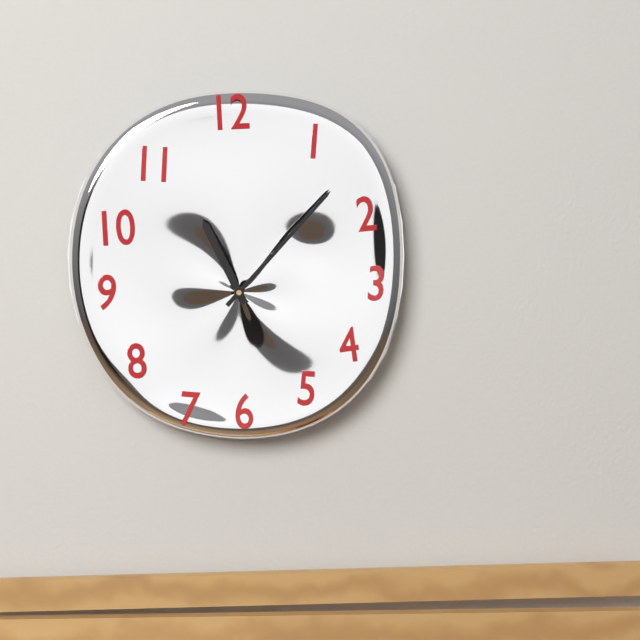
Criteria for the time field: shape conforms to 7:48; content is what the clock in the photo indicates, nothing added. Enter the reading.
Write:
11:07
